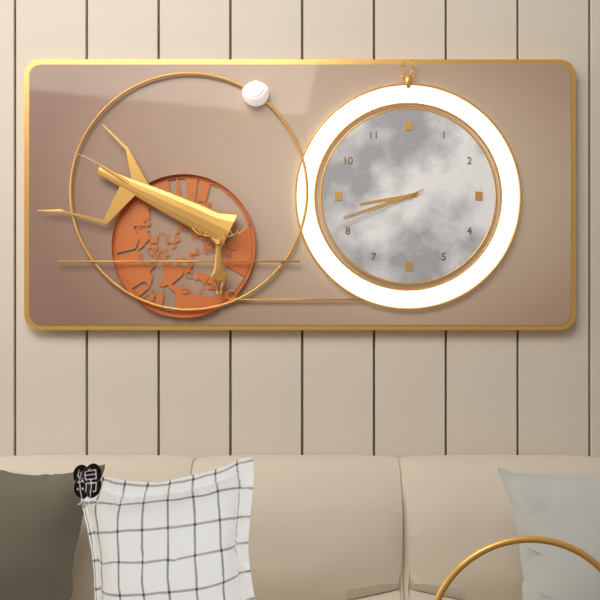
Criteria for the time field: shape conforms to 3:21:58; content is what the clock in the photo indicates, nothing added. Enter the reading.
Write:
8:42:41
